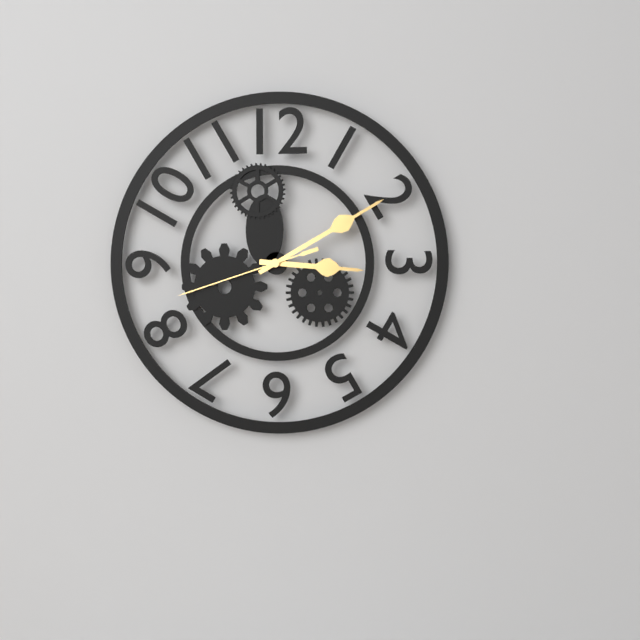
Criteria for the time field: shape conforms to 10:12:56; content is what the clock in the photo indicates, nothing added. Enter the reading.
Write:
3:10:42
